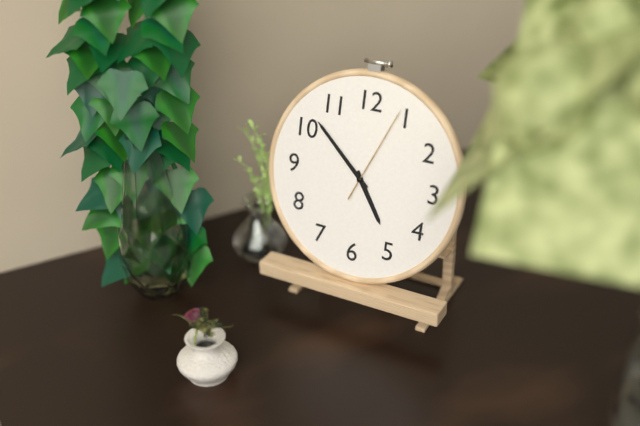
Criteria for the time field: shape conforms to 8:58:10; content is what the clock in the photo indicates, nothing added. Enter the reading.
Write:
4:52:04
